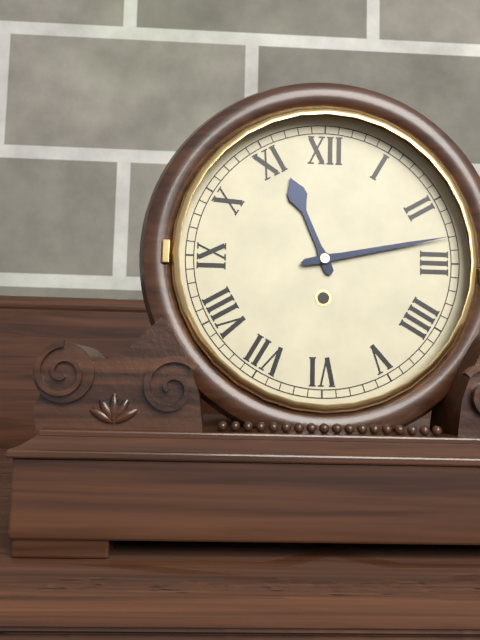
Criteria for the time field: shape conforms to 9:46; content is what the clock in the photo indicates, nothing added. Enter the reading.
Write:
11:13
